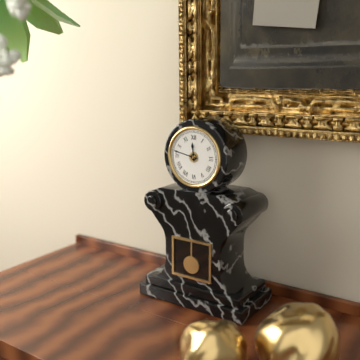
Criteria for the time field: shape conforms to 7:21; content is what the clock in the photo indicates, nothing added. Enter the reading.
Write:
11:47
